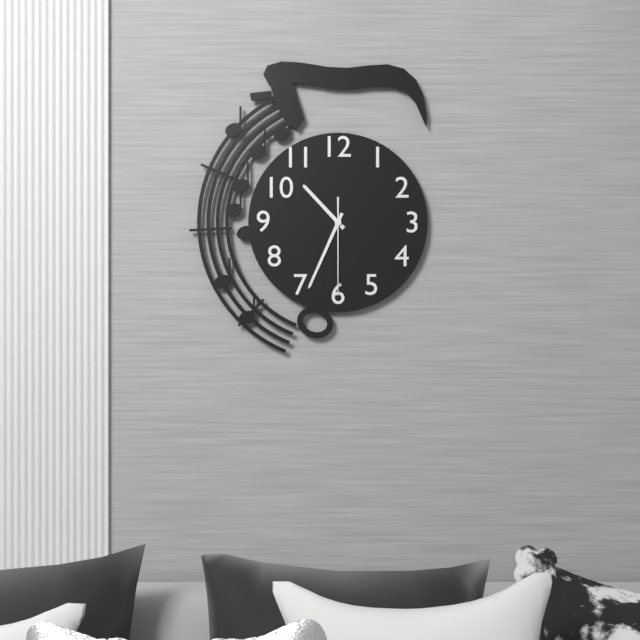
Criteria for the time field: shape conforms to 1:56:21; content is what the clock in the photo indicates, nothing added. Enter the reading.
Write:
10:34:30
